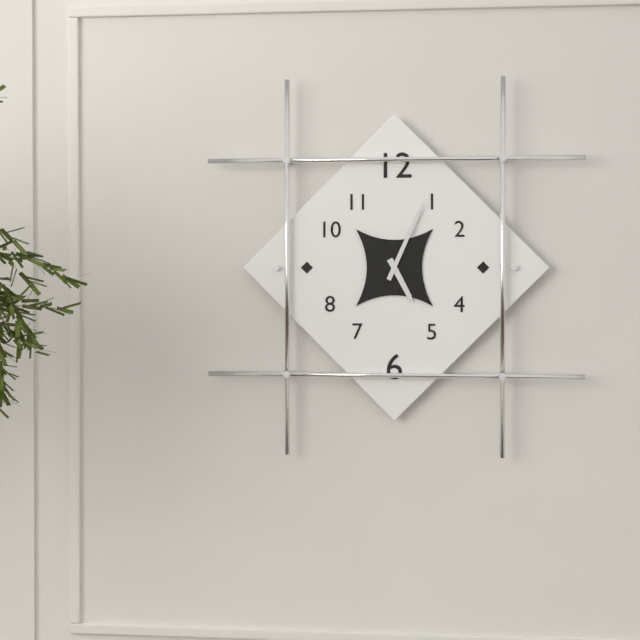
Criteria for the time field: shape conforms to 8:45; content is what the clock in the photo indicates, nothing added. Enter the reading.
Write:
5:04
